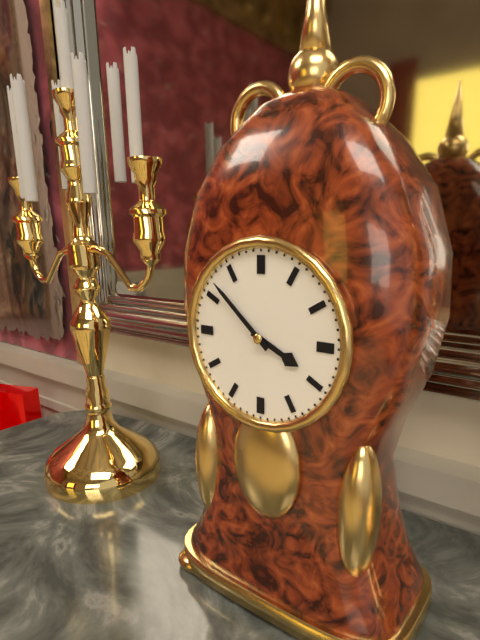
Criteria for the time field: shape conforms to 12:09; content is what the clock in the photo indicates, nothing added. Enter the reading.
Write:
3:52
